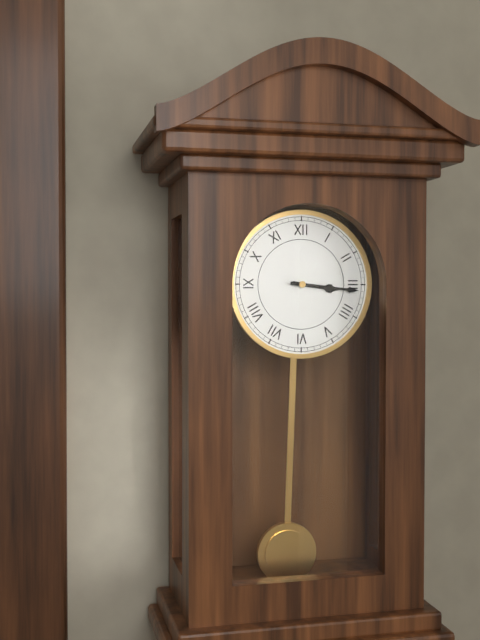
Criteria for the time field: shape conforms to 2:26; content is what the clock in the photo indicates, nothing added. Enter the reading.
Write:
3:16
